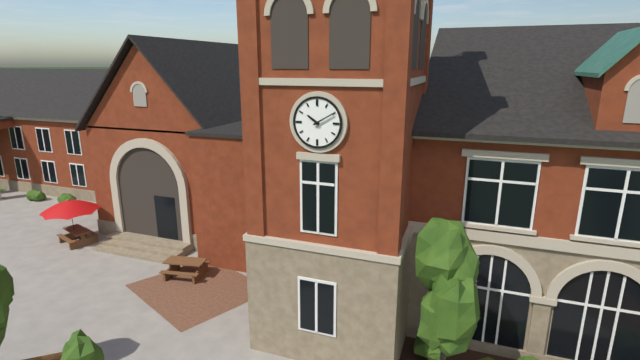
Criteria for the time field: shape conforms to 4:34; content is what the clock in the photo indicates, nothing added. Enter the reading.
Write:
10:10
